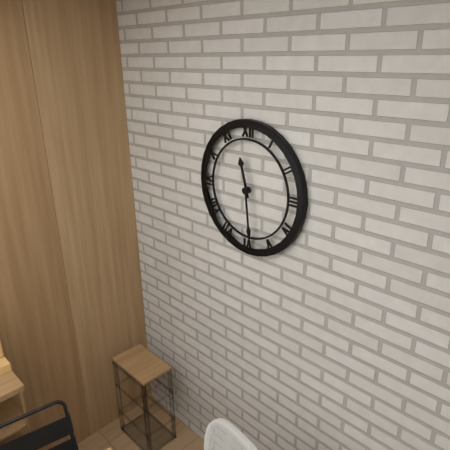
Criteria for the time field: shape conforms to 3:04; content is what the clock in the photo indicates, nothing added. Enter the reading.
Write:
11:29
